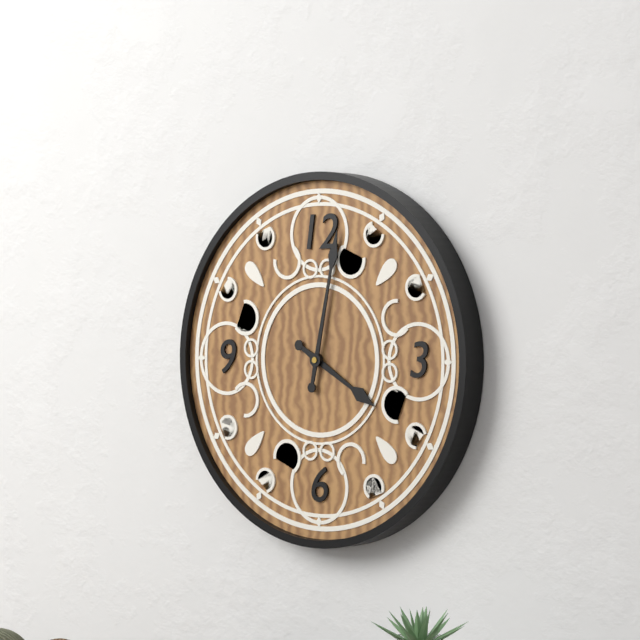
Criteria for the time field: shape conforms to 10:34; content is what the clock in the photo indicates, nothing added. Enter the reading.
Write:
4:02
